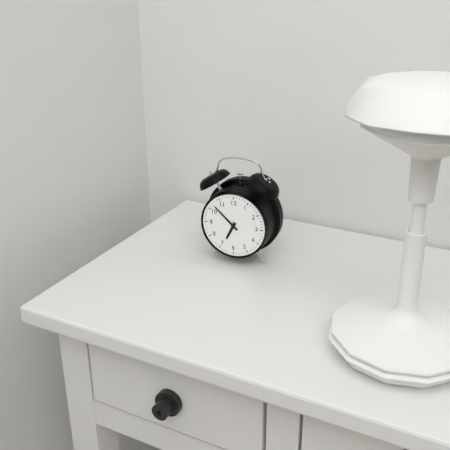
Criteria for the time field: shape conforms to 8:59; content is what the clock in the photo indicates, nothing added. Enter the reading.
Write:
6:52
